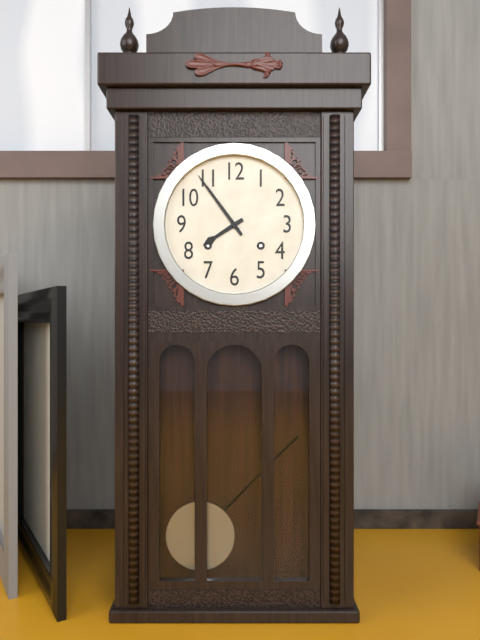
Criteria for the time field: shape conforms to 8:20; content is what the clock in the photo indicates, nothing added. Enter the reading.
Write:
7:54
